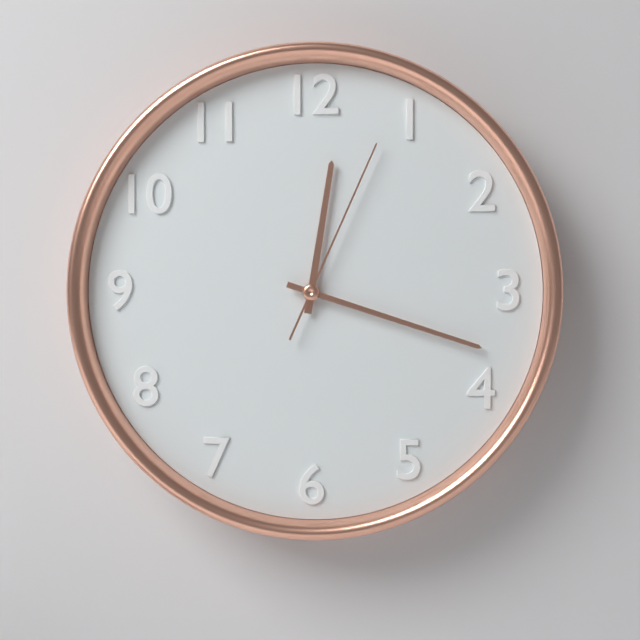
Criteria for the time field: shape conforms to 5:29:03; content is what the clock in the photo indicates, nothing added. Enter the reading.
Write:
12:18:04
